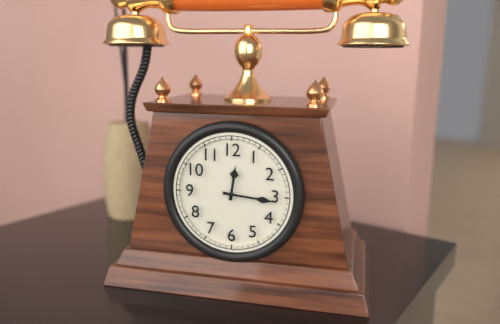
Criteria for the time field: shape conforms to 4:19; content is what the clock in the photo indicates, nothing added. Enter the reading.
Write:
12:16
